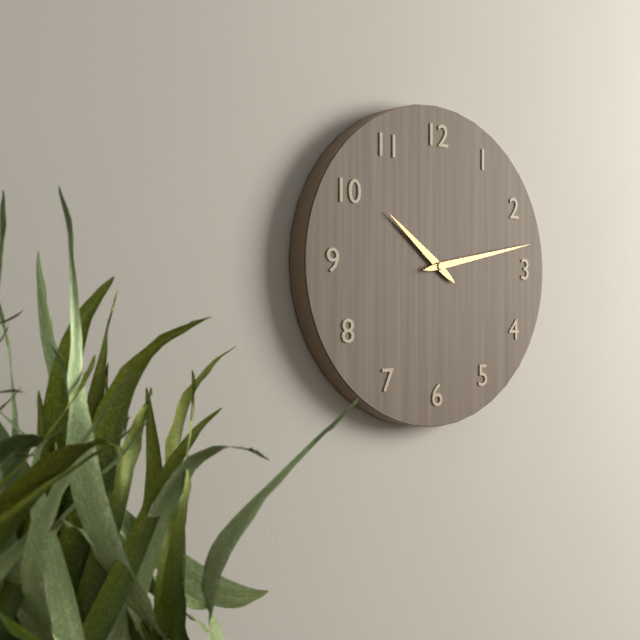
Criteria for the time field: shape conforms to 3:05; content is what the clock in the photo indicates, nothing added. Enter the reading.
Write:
10:13
